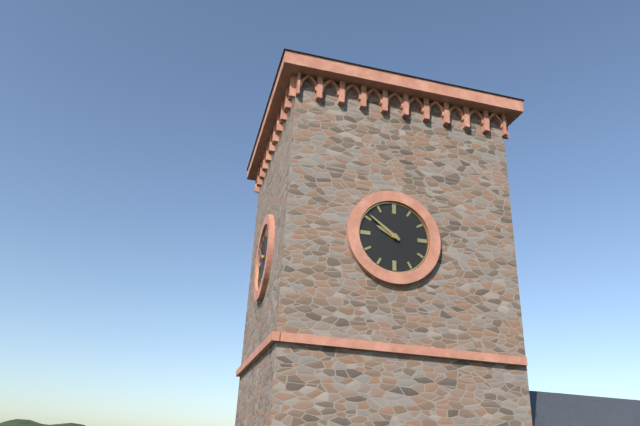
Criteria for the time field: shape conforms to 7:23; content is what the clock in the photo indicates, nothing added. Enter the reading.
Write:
9:51
